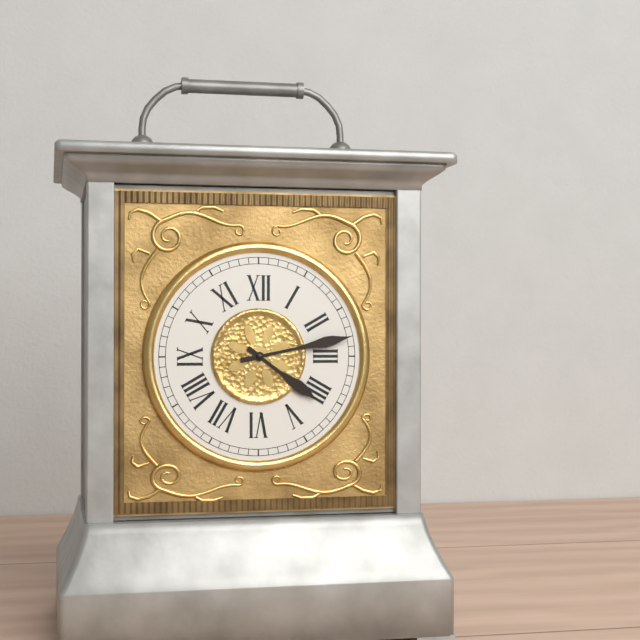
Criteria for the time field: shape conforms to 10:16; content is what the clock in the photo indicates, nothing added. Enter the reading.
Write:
4:13
